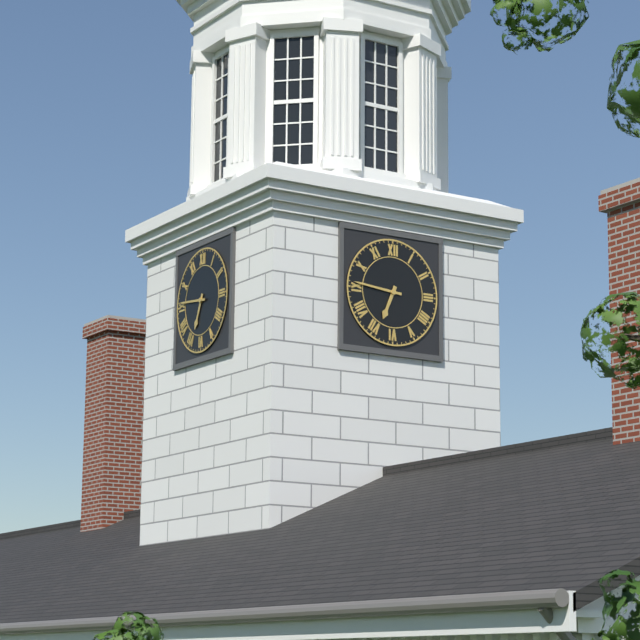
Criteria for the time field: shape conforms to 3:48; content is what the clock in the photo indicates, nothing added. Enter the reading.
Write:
6:46
